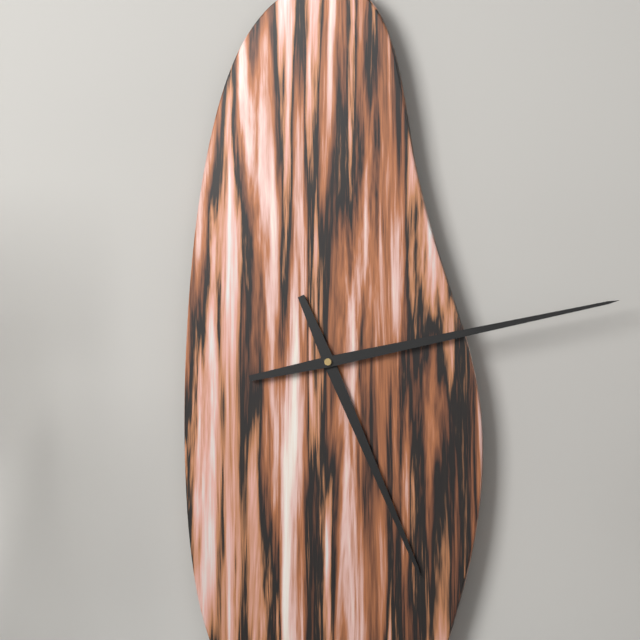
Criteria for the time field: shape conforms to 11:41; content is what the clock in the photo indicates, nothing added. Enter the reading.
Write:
5:13
